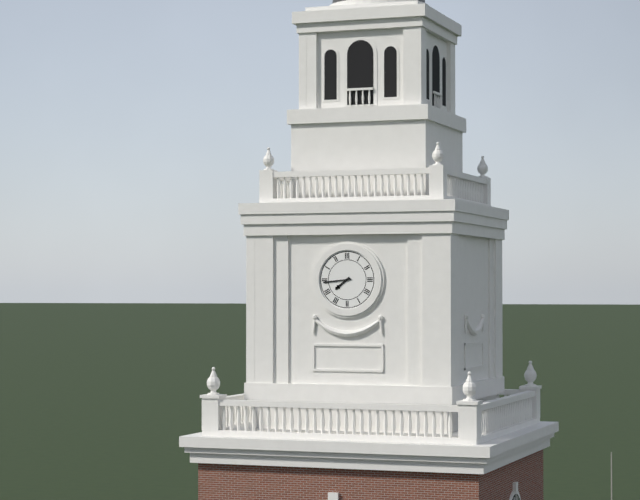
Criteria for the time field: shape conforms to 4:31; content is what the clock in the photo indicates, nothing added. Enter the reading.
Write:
7:44
